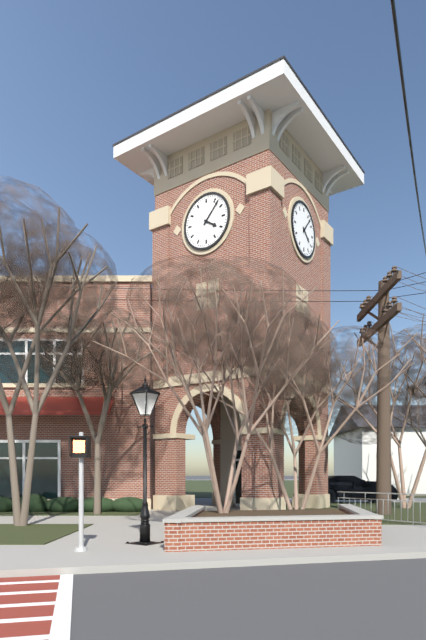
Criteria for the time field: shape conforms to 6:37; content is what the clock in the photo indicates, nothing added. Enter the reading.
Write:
4:07
